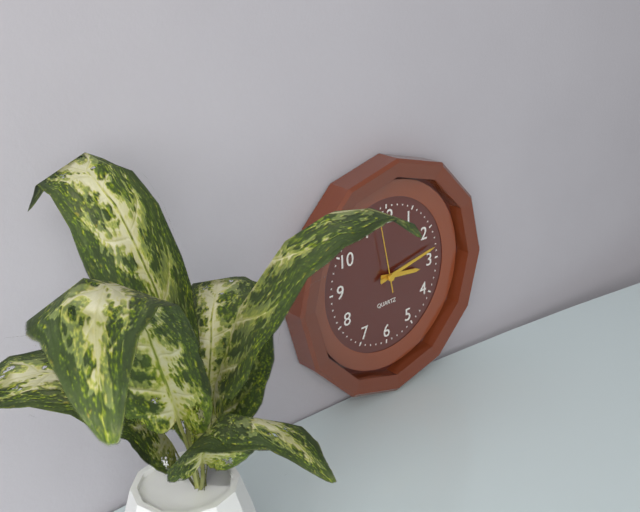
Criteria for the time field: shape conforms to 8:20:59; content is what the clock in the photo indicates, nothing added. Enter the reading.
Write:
3:13:58
